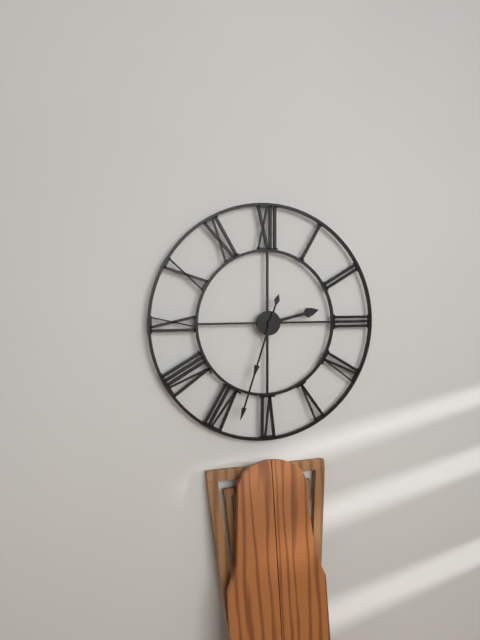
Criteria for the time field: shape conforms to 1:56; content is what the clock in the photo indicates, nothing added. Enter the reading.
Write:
2:33
